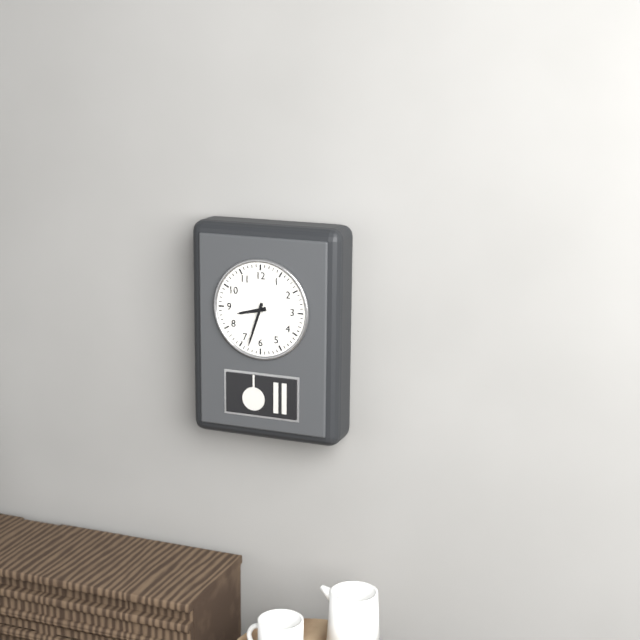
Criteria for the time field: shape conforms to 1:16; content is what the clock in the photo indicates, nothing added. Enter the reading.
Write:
8:33
